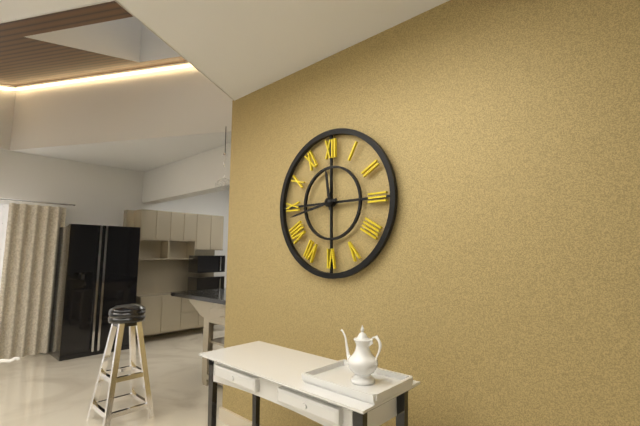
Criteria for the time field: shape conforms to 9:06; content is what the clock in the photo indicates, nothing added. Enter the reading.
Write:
11:43
